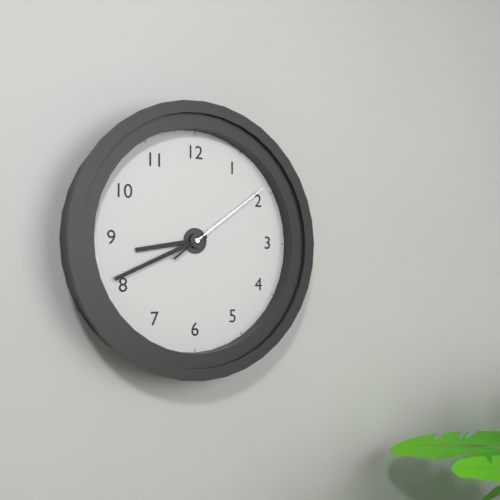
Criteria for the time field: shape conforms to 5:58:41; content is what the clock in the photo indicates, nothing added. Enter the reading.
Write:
8:41:09
